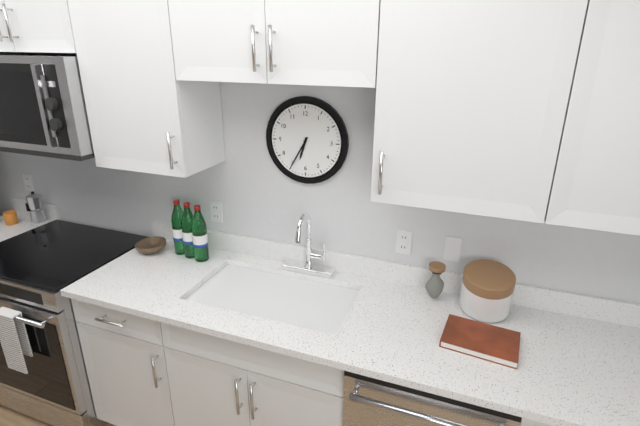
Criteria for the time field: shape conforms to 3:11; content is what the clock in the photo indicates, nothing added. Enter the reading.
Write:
6:35
